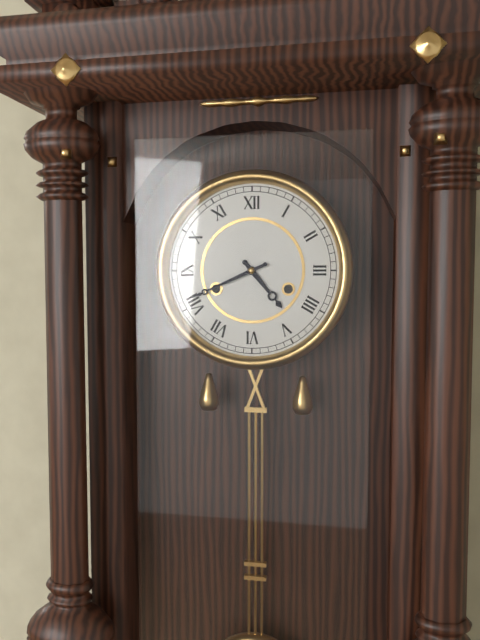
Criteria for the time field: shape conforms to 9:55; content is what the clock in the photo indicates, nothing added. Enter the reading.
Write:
4:41
